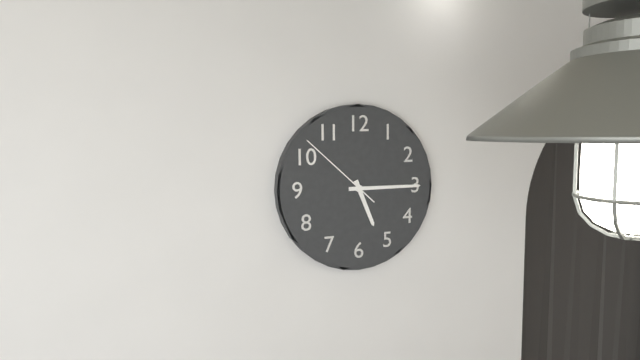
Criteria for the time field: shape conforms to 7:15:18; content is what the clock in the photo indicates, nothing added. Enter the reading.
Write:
5:15:52
